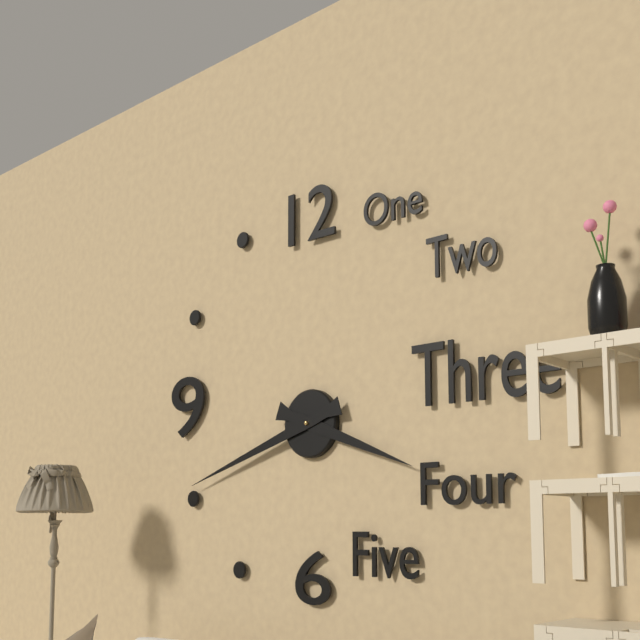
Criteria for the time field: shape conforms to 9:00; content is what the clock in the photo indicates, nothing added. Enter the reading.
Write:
3:42
